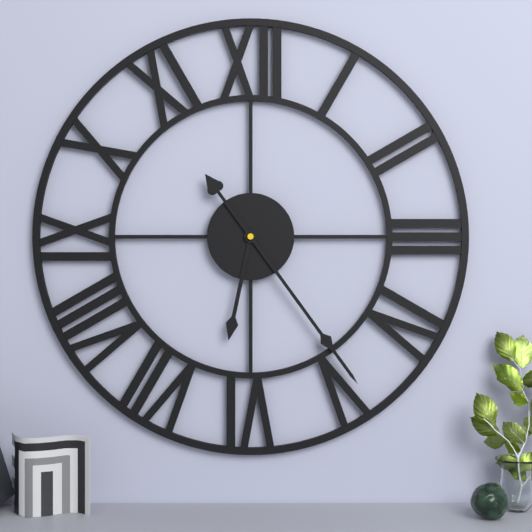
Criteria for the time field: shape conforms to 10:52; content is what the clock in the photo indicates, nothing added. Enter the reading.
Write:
6:24
